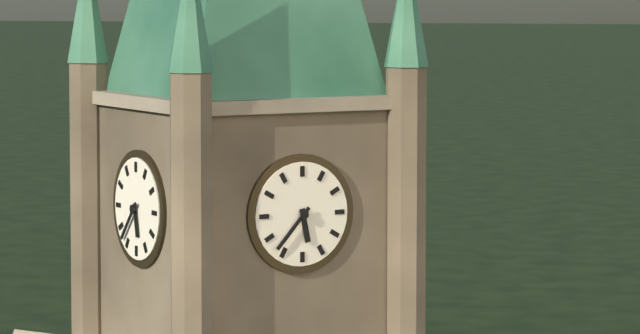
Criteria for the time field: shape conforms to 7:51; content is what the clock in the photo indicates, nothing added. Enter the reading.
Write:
5:37
